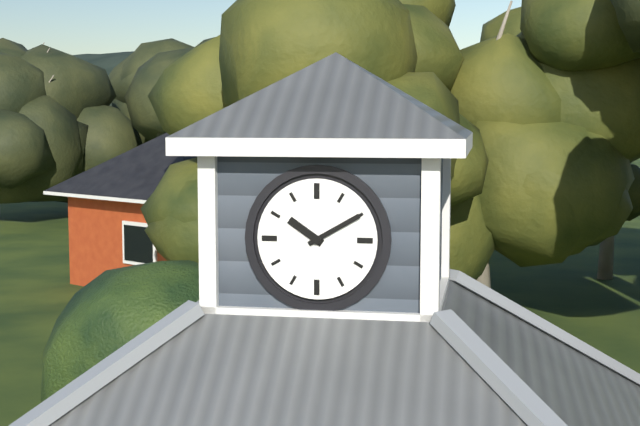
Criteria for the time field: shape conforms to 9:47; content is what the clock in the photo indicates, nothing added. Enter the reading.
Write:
10:10
